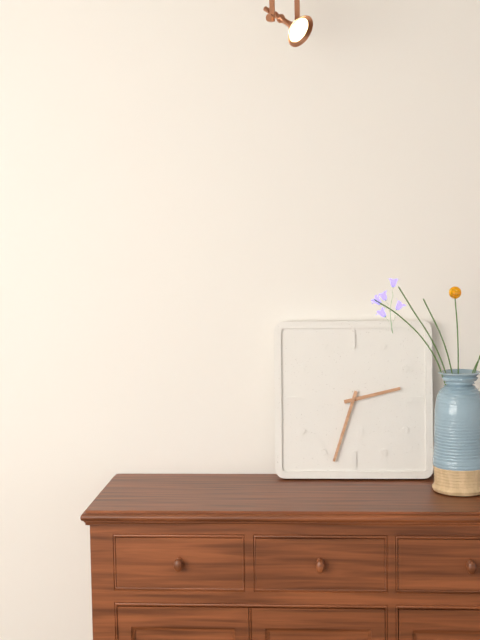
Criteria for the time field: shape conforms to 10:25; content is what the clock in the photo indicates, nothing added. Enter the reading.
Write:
2:33
